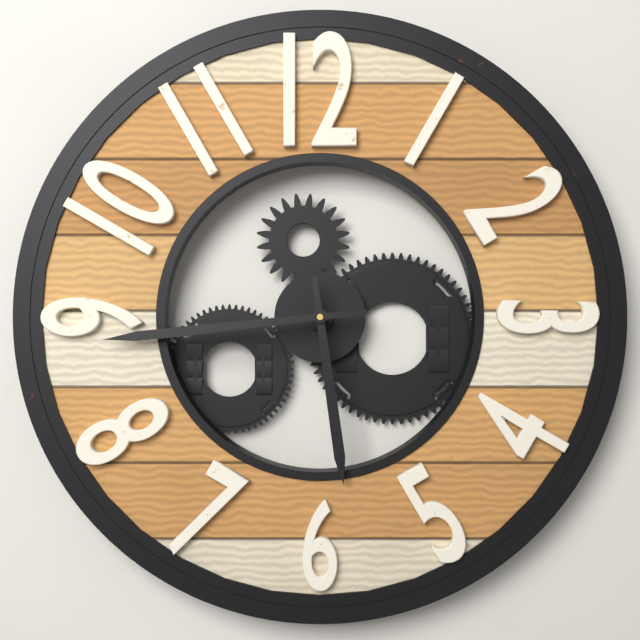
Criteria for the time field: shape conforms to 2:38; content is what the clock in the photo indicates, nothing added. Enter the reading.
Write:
5:44
